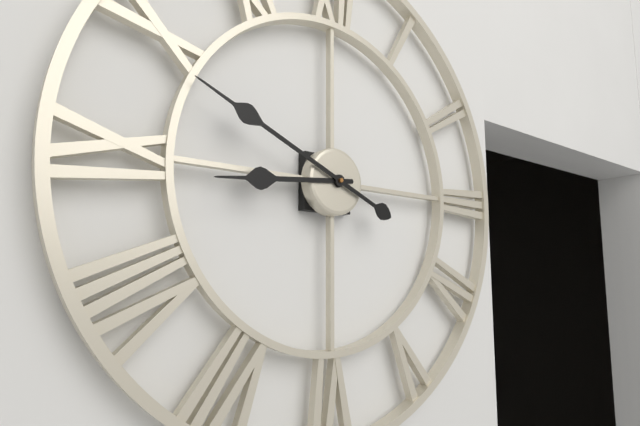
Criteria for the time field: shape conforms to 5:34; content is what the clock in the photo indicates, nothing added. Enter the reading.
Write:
8:49
